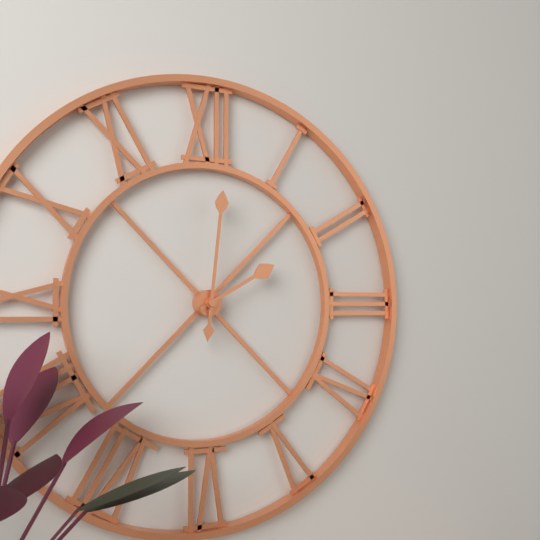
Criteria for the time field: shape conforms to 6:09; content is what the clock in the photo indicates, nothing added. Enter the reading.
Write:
2:01
